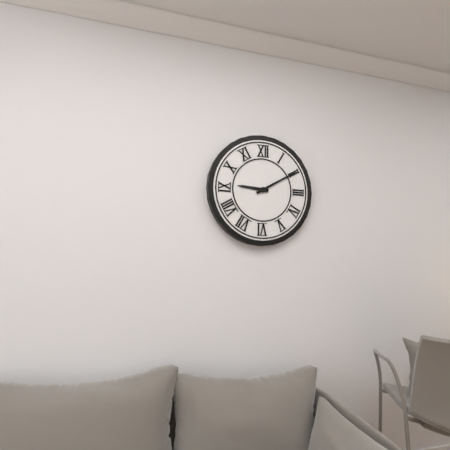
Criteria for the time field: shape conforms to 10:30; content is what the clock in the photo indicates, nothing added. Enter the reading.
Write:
9:10
